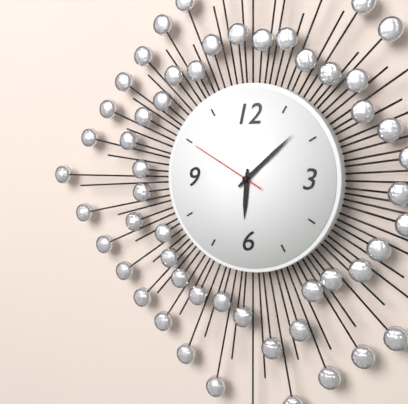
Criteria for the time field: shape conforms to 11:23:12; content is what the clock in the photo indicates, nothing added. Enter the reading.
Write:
6:08:50
